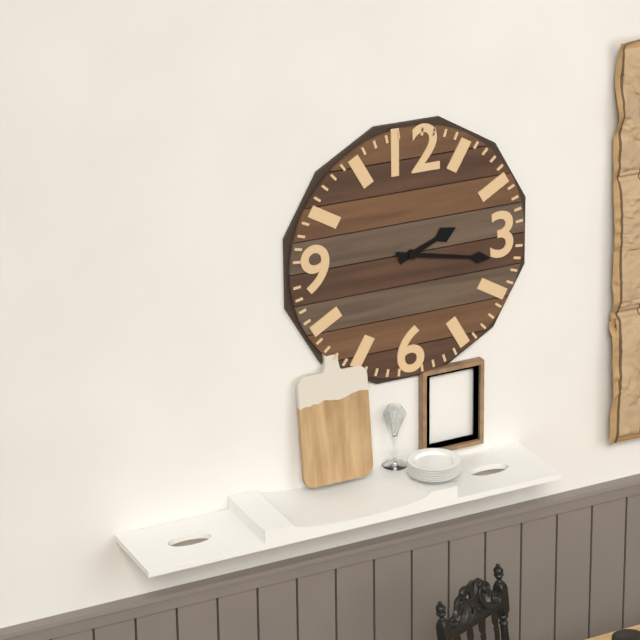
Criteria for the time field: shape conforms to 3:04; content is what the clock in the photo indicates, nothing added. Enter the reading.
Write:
2:17
